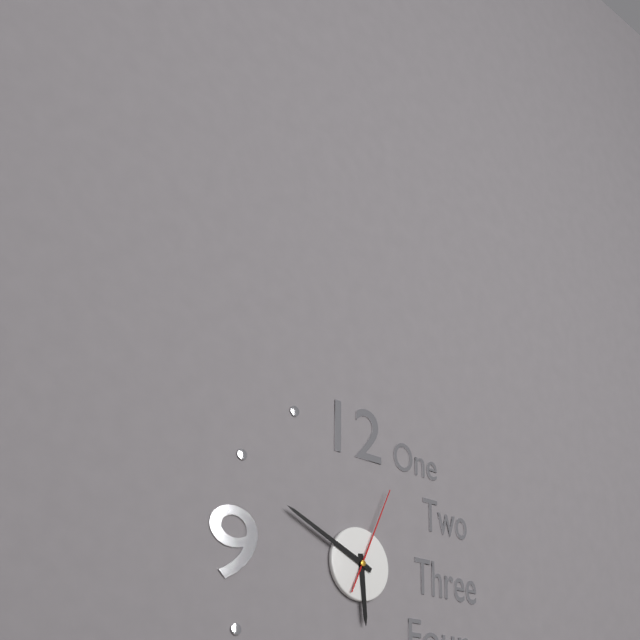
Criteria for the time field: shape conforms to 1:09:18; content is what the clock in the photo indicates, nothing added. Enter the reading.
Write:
5:49:04
